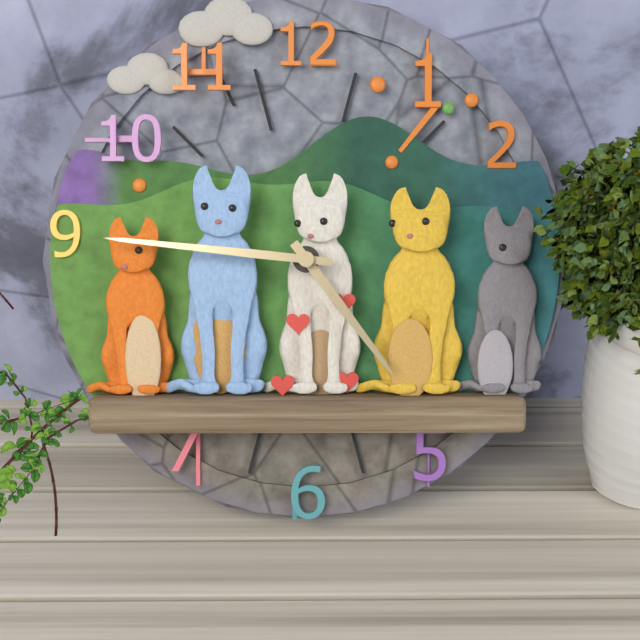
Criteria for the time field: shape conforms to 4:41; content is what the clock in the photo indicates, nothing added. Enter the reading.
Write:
4:46
